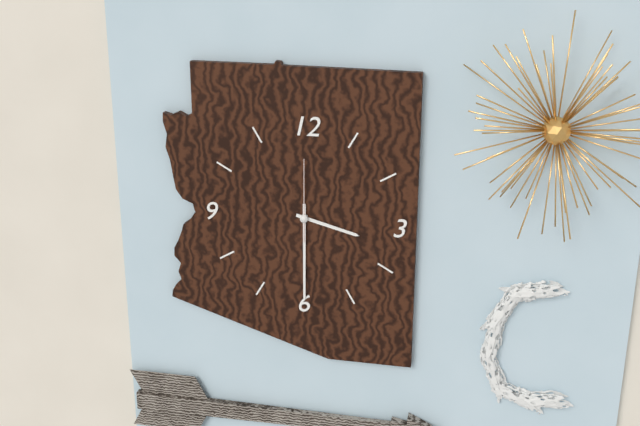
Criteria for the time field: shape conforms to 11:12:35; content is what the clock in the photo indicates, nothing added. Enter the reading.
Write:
3:30:00
